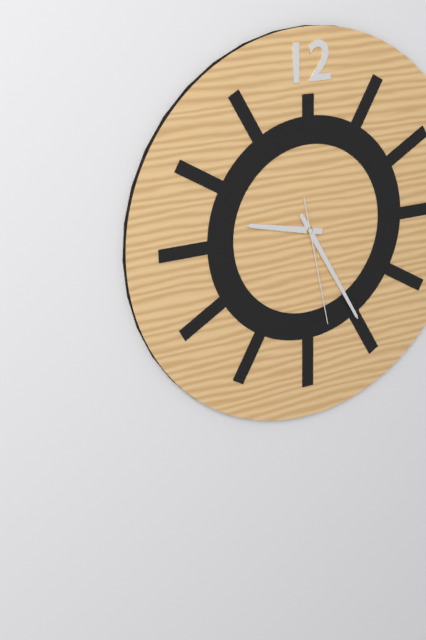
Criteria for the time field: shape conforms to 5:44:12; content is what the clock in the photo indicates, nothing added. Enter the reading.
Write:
9:25:28
